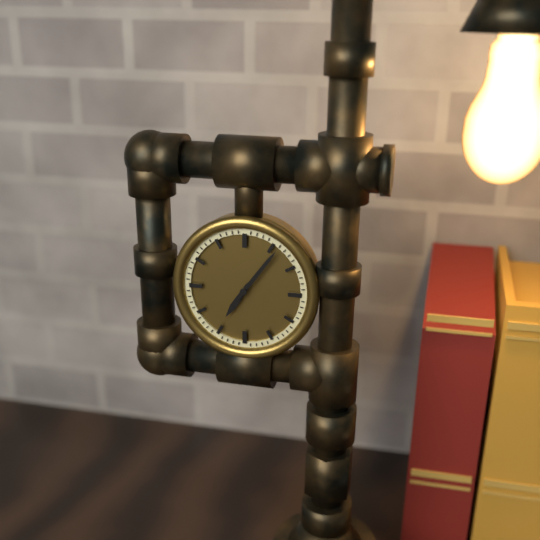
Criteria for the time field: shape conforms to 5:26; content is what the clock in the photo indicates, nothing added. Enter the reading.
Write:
7:06
